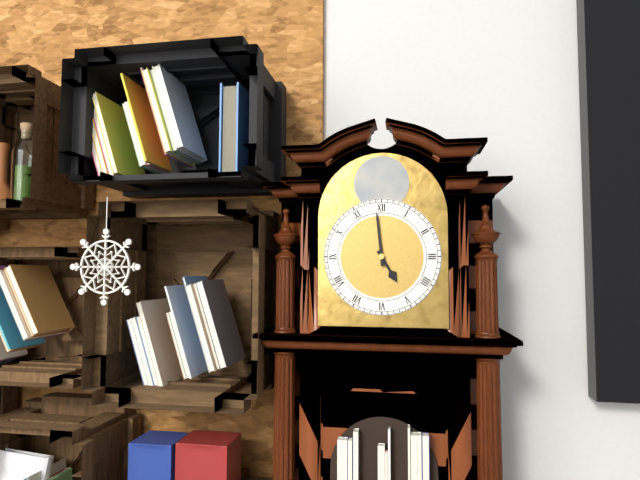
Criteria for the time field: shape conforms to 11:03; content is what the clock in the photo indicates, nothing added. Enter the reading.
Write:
4:59
